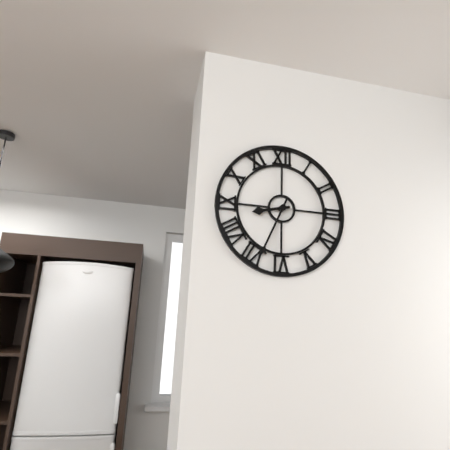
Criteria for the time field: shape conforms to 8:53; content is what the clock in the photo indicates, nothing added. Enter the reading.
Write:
8:34
